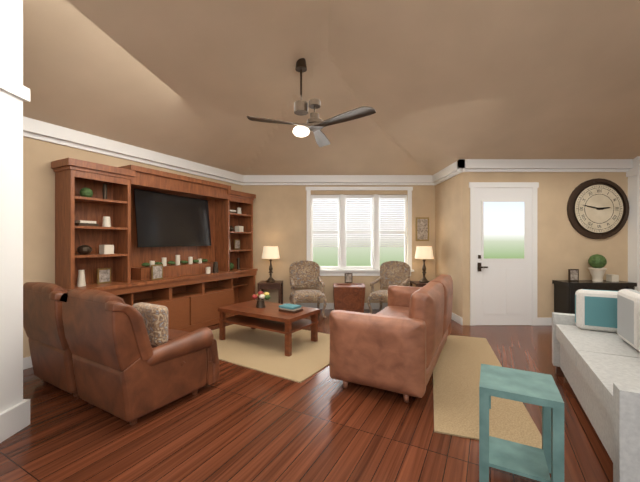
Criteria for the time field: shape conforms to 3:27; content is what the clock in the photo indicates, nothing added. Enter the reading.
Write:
2:47
